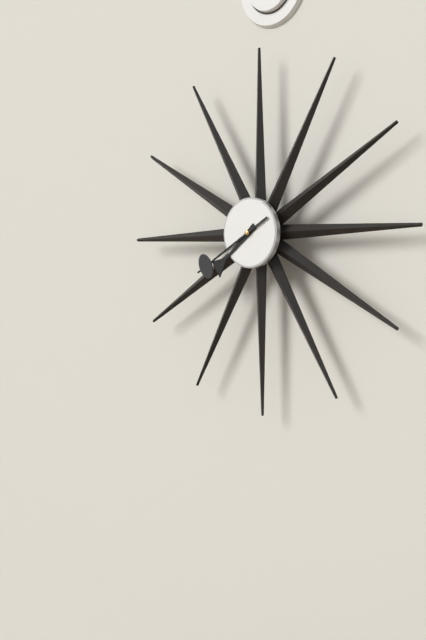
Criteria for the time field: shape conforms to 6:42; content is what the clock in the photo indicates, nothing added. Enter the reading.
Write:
7:40
